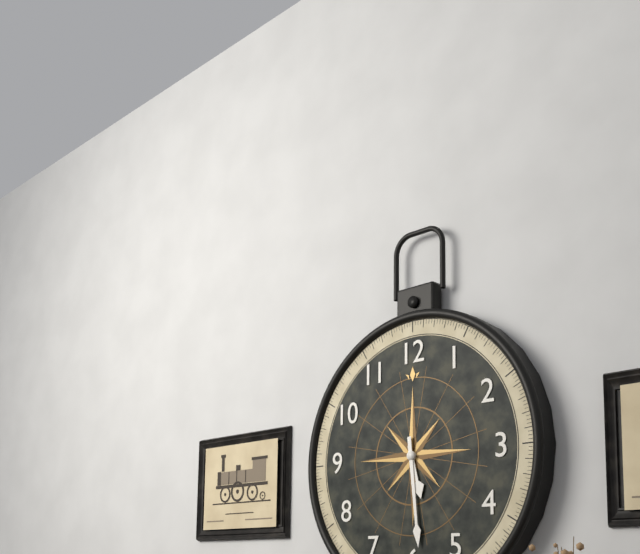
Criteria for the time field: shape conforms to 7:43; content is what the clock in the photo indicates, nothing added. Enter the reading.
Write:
5:29
